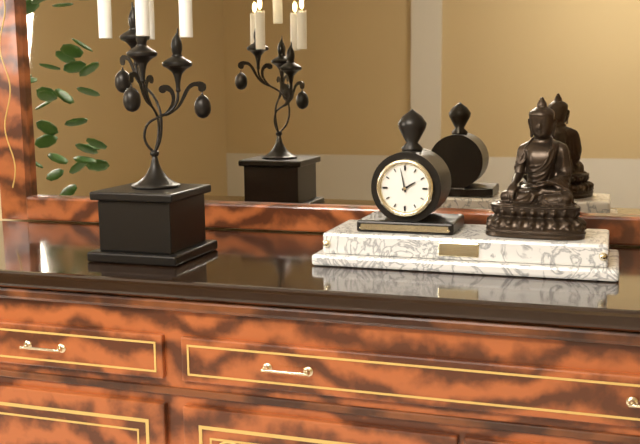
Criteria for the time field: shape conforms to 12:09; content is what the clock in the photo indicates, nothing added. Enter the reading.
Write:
1:58
